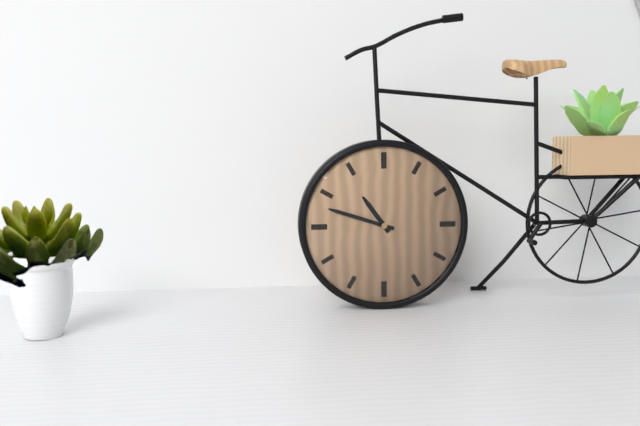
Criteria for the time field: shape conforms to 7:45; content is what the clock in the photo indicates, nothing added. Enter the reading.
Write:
10:48
